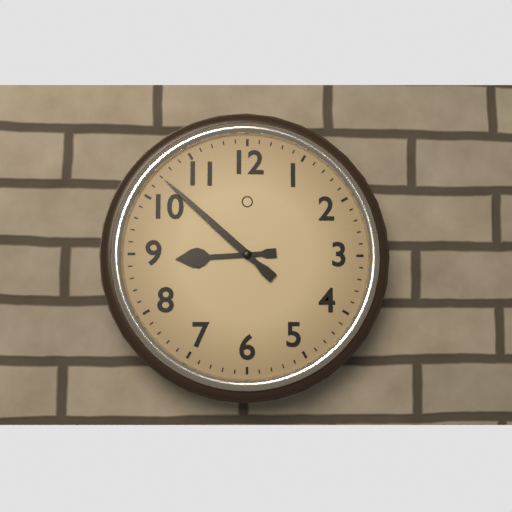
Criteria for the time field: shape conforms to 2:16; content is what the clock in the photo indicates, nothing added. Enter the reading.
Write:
8:52
